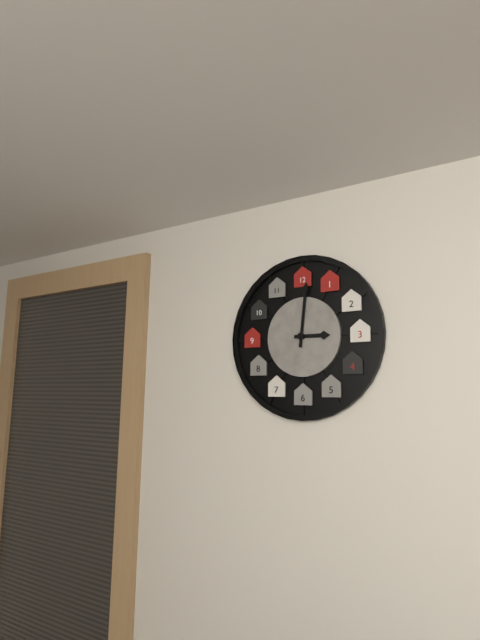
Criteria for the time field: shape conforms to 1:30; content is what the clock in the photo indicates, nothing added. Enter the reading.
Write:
3:01
